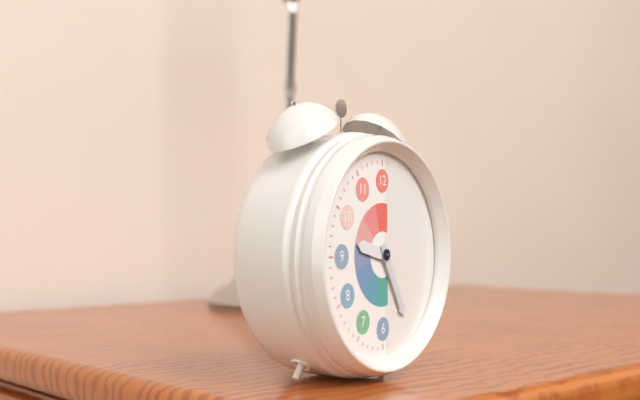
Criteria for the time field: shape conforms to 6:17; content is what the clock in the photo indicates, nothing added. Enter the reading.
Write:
9:25
